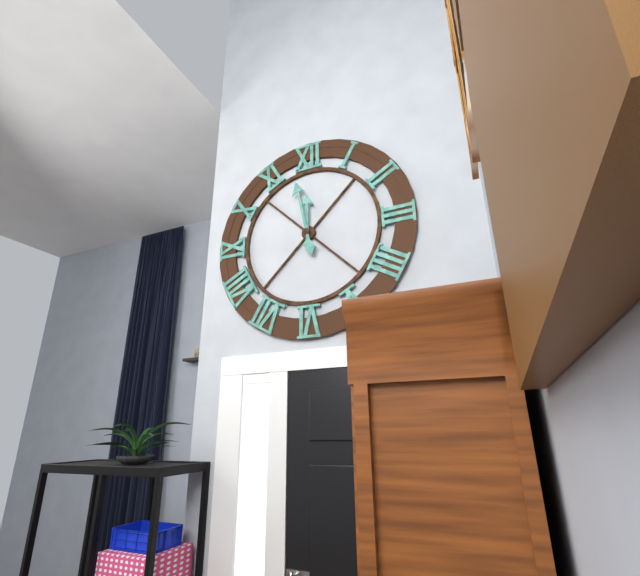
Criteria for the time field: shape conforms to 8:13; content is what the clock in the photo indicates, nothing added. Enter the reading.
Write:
11:58
